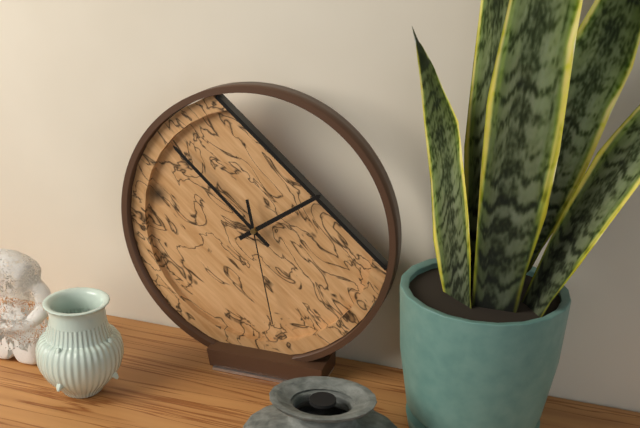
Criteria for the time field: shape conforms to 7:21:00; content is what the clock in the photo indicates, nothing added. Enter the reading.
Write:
1:52:28
